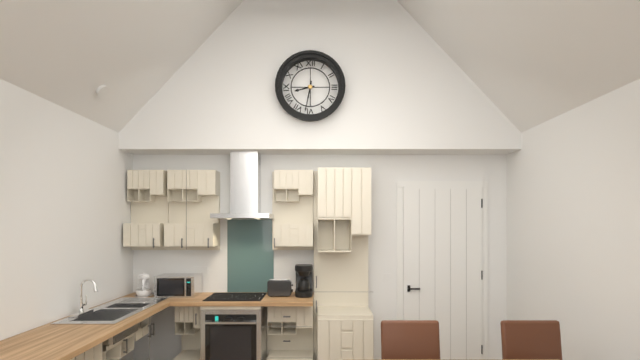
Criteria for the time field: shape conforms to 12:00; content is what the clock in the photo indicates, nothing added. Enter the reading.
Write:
8:32
